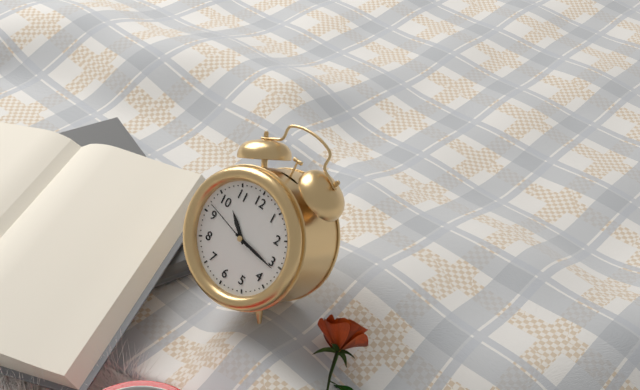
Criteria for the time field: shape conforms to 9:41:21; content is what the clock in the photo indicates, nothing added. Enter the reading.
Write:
10:16:47
